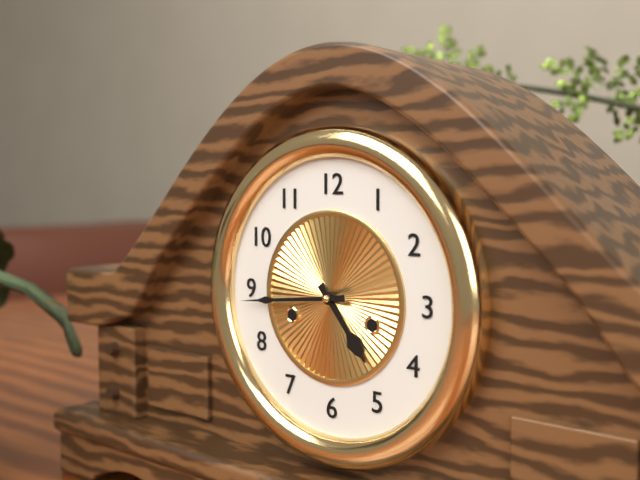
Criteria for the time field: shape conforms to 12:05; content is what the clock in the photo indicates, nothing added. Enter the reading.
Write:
4:44
